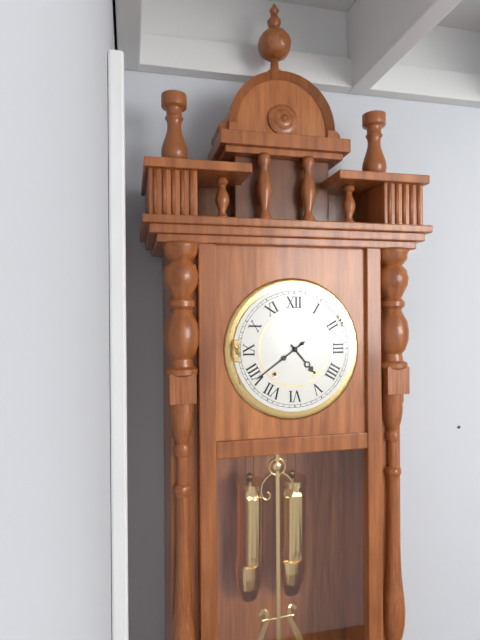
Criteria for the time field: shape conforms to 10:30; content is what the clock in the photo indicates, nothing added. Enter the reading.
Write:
4:39
